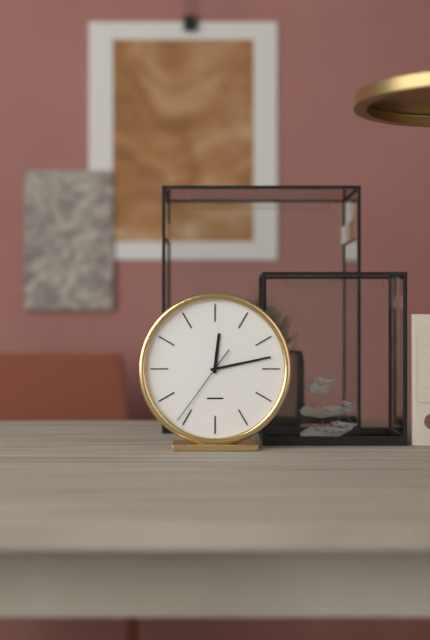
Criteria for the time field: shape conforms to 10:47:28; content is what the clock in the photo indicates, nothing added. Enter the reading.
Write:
12:13:36
